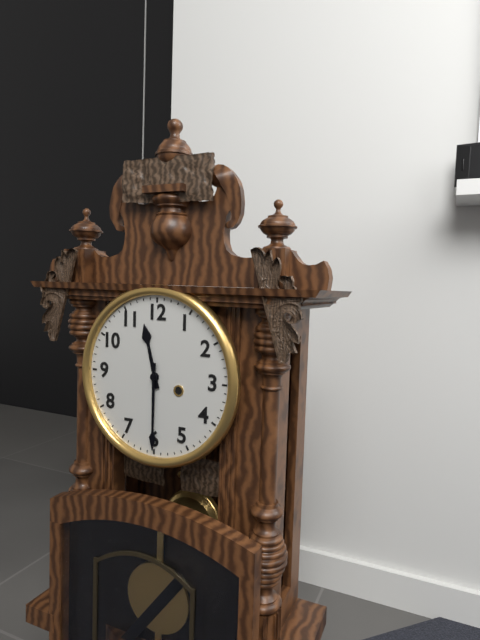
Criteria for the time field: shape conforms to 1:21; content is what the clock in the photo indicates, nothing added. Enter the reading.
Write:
11:30
